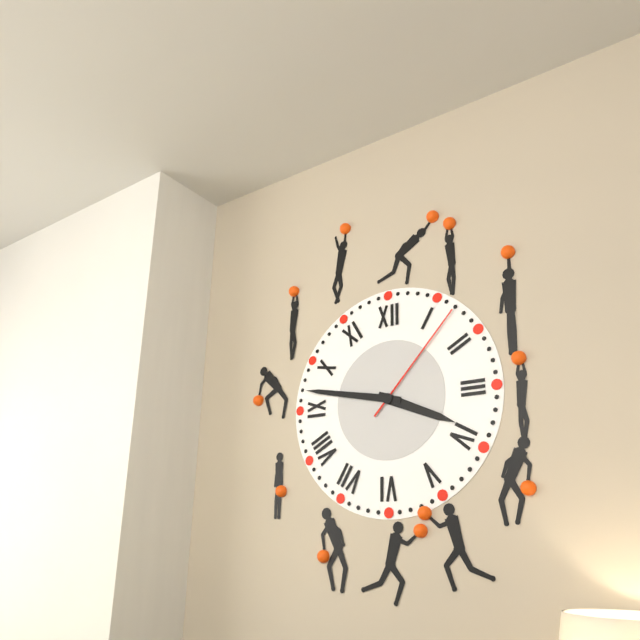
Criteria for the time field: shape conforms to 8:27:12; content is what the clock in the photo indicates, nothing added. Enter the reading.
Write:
3:47:07
